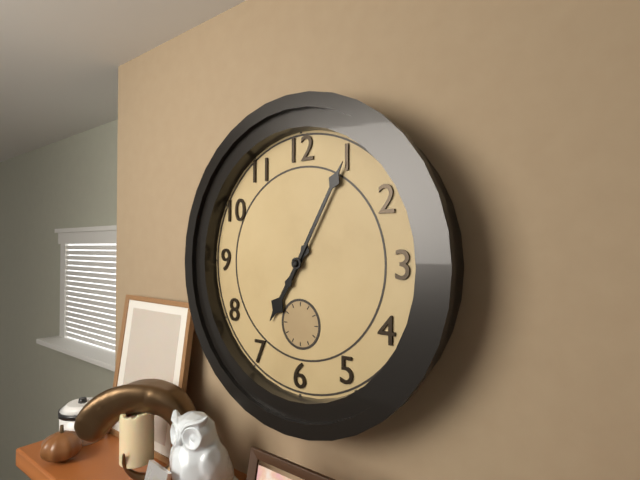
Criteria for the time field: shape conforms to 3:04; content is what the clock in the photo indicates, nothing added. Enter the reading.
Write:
7:05
